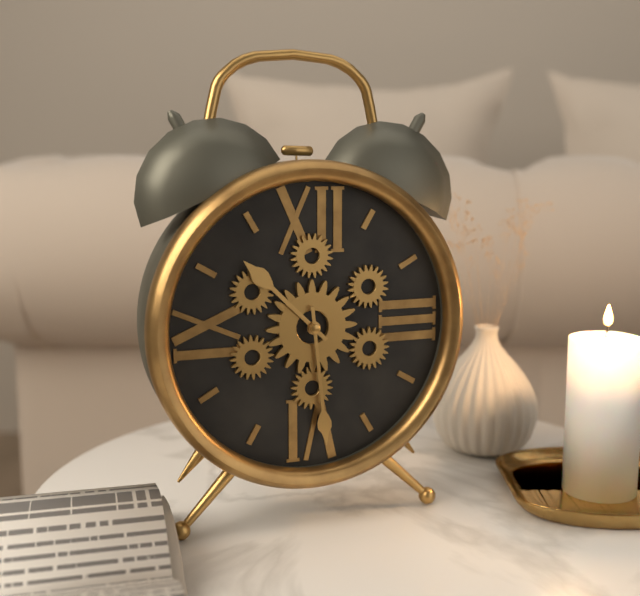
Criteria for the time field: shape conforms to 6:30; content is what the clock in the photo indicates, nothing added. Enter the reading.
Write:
10:29
